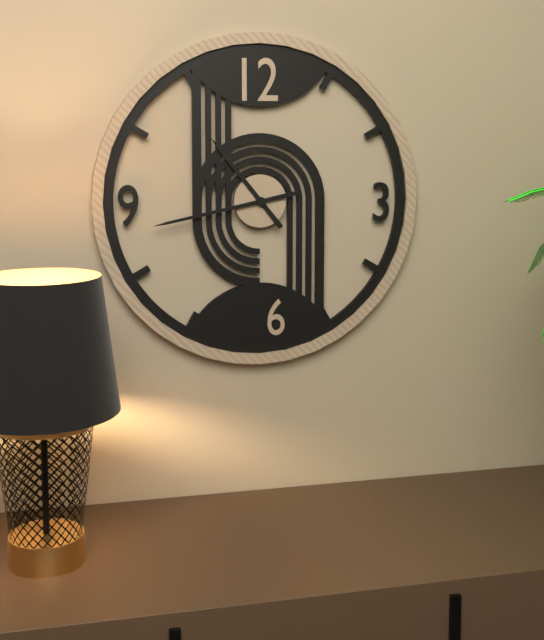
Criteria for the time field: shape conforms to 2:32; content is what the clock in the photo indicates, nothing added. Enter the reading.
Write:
10:43
